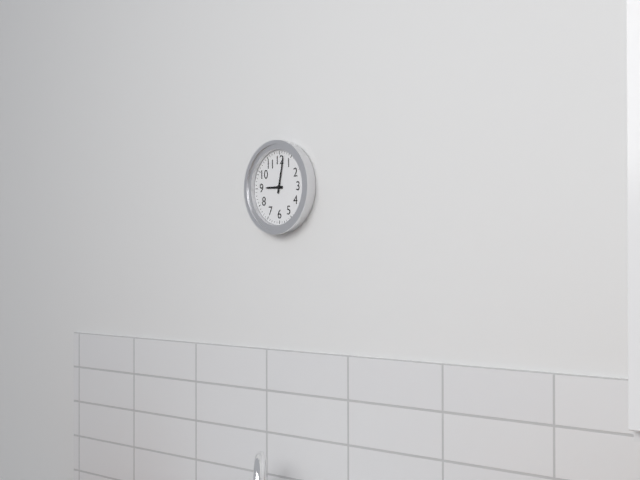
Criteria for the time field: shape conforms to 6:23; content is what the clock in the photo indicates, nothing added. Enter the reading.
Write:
9:02
